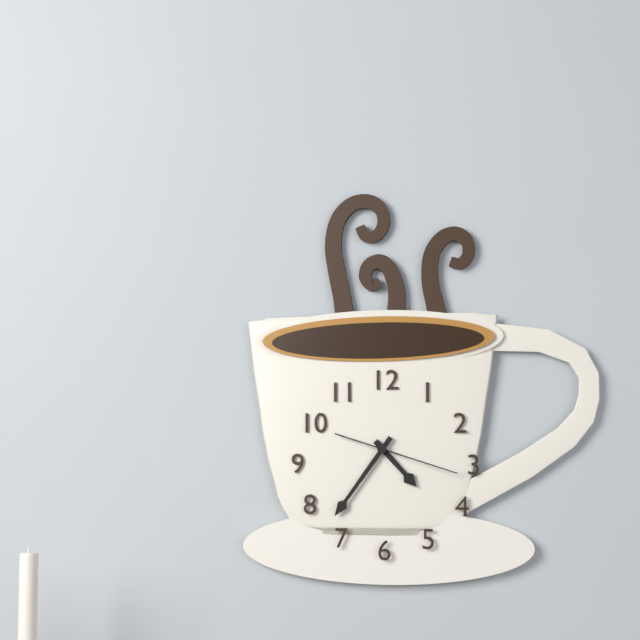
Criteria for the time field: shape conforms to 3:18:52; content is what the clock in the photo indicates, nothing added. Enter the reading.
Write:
4:36:18
